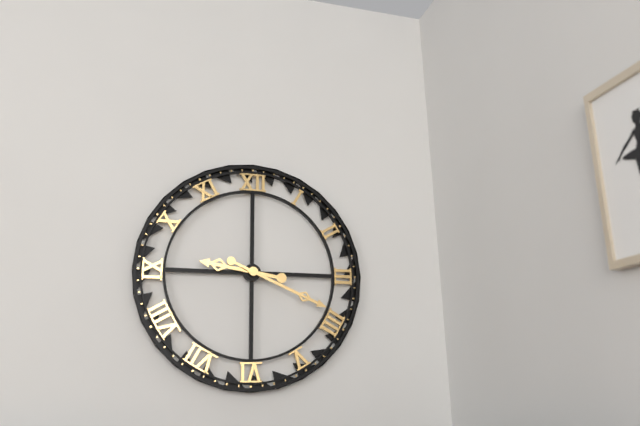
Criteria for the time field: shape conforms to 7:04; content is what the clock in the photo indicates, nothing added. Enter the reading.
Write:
9:19
